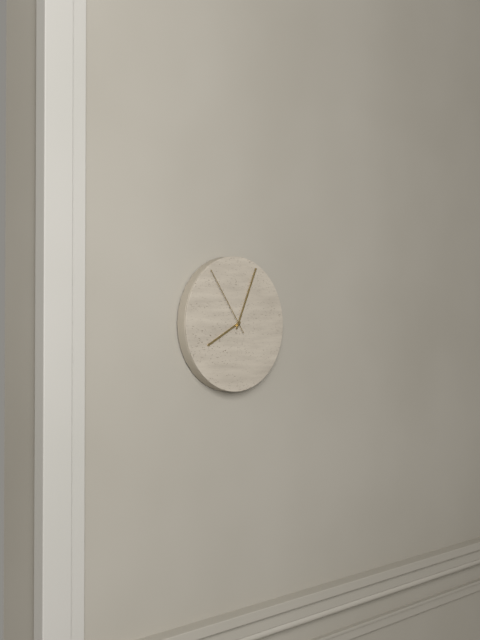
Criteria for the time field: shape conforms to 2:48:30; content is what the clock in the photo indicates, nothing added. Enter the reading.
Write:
8:04:54
